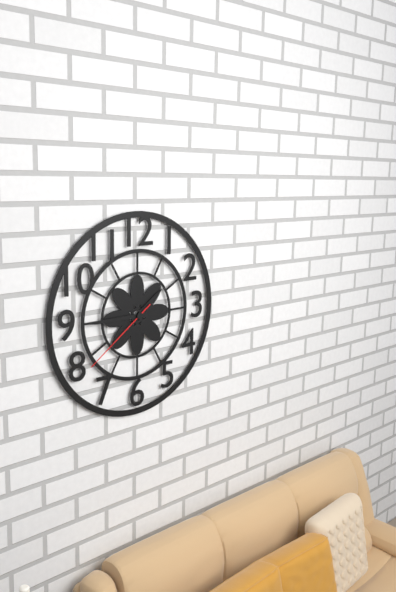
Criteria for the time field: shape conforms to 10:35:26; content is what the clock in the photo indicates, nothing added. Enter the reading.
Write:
1:45:39
